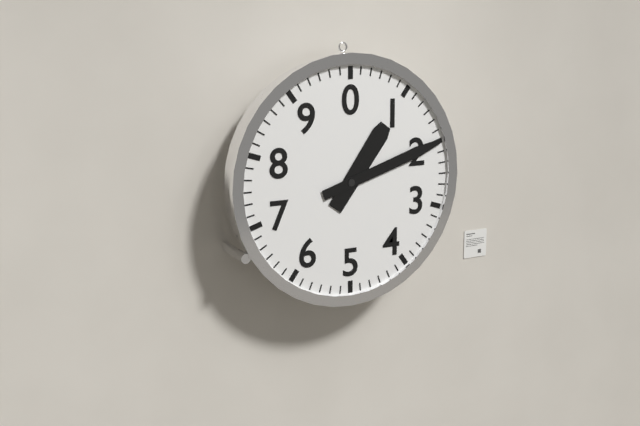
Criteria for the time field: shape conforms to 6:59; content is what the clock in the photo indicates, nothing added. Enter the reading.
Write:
1:12
